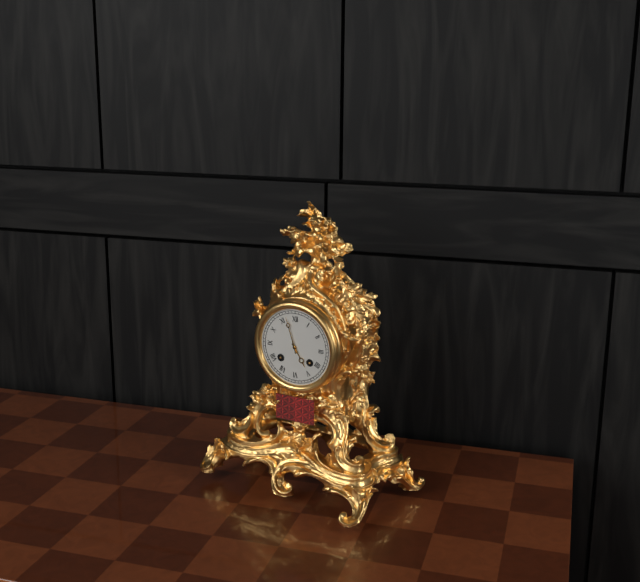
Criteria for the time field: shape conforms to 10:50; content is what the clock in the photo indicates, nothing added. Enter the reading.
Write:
4:57
